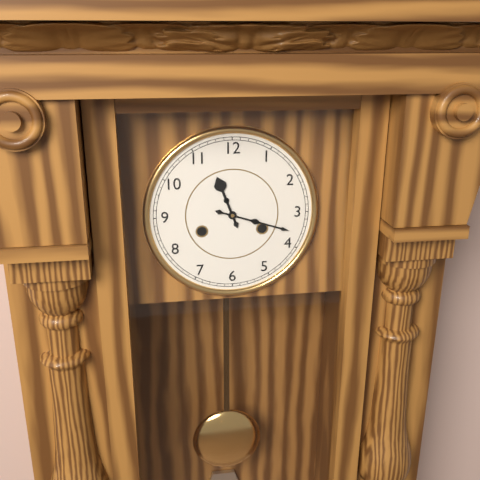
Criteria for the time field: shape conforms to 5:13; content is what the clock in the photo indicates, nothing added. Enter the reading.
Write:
11:18
